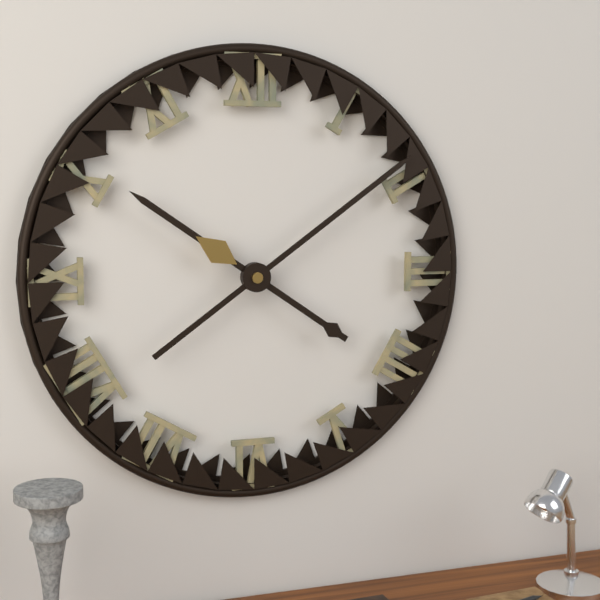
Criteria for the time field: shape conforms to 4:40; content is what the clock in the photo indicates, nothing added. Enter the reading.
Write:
10:09
